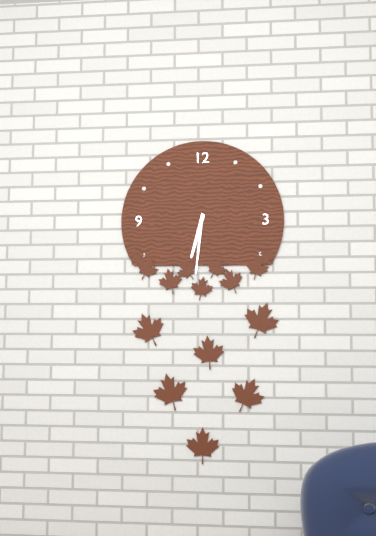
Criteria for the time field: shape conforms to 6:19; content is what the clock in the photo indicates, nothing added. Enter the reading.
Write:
6:31
